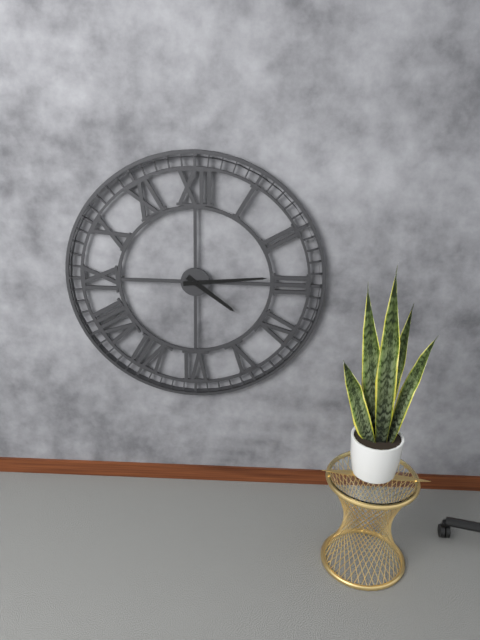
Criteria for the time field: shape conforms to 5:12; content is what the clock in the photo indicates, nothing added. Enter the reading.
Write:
4:14
